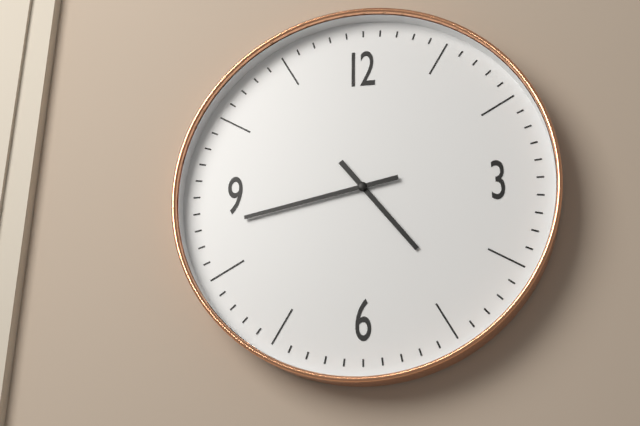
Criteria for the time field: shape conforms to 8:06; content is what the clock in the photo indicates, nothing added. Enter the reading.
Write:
4:43
